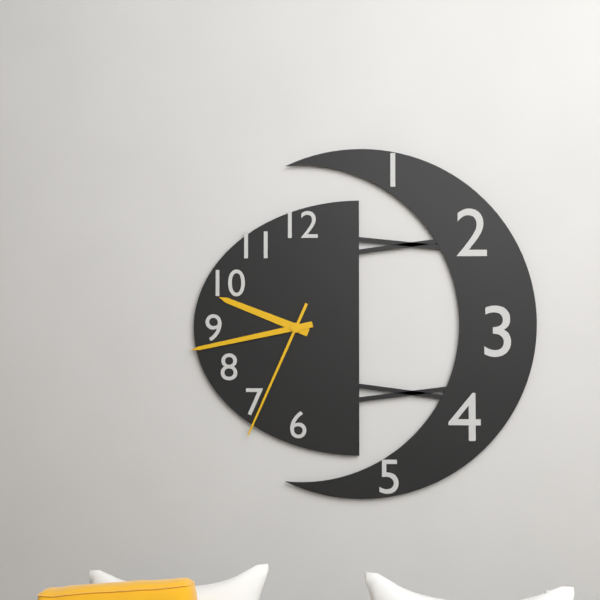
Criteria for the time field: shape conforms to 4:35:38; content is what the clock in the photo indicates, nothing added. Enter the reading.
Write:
9:43:34
